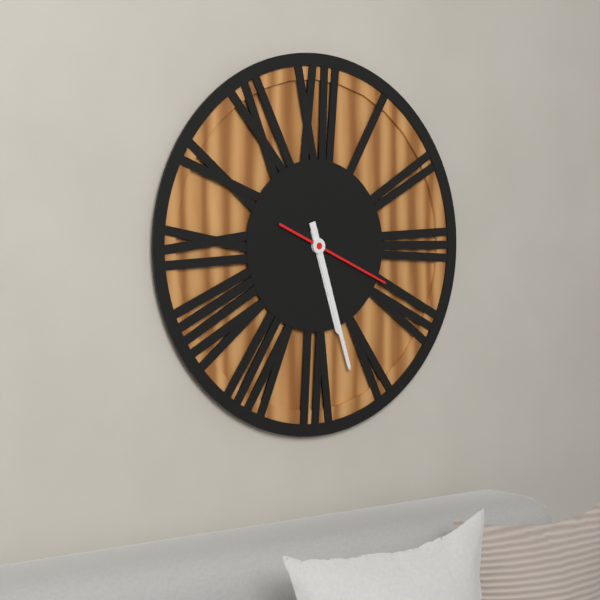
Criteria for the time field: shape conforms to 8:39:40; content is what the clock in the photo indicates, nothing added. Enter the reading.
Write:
5:27:19
